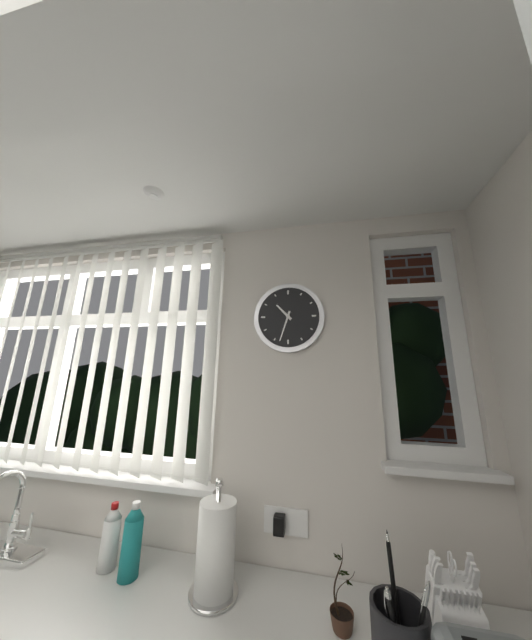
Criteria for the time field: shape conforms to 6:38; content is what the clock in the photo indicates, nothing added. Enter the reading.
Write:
10:33
